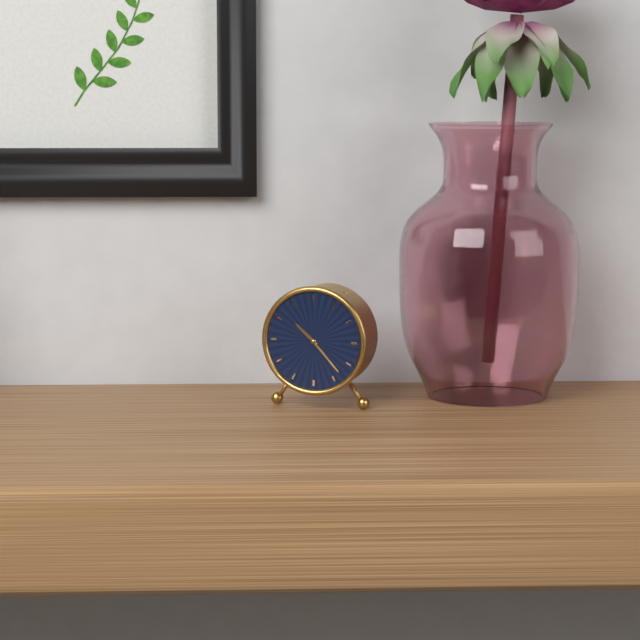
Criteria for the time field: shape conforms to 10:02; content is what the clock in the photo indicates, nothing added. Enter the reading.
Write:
10:23
